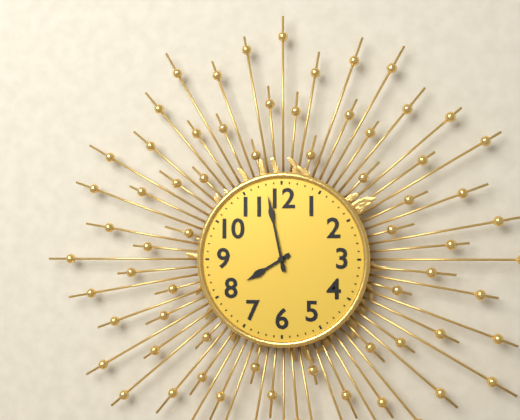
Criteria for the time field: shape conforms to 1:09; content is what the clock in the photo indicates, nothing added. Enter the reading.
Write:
7:58
